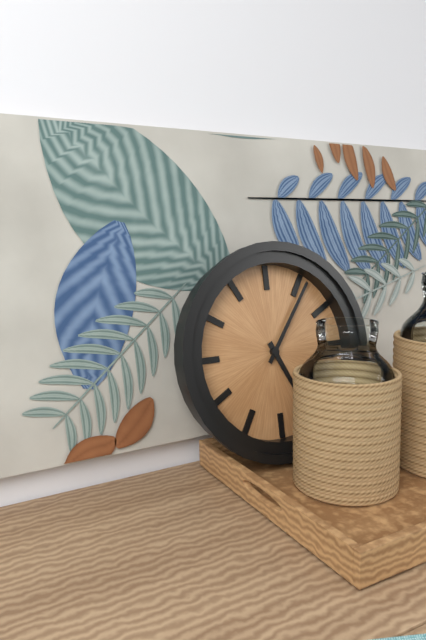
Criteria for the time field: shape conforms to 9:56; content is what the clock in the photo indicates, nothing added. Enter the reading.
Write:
5:06
